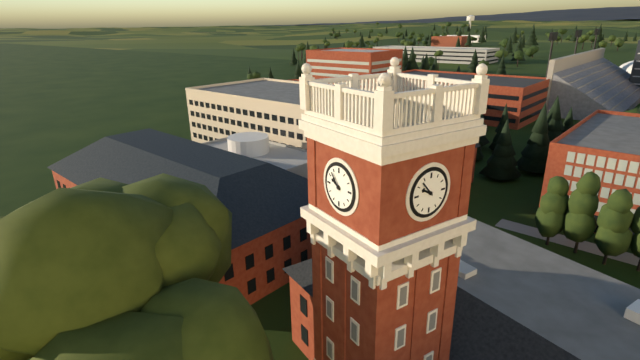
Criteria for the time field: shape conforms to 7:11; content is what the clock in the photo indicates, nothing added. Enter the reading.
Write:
9:53
